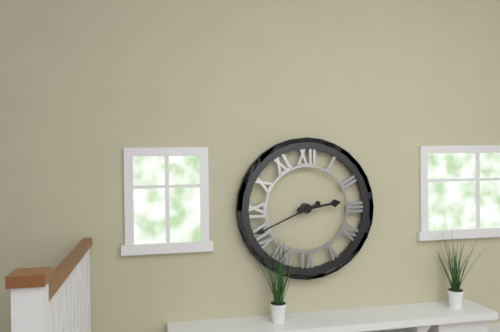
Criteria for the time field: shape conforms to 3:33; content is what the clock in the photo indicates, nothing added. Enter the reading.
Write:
2:41
